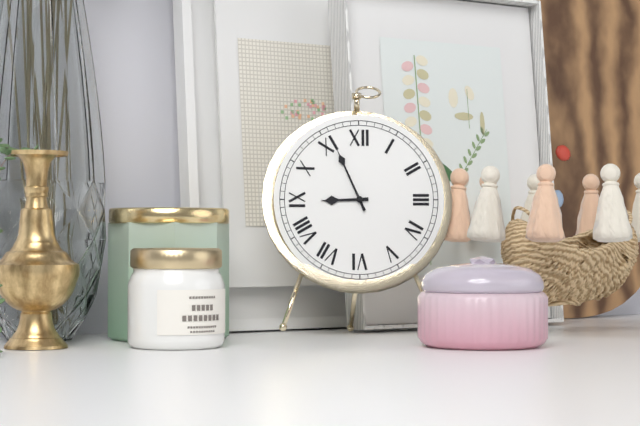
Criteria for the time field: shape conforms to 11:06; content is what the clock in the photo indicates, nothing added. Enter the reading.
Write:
8:56
